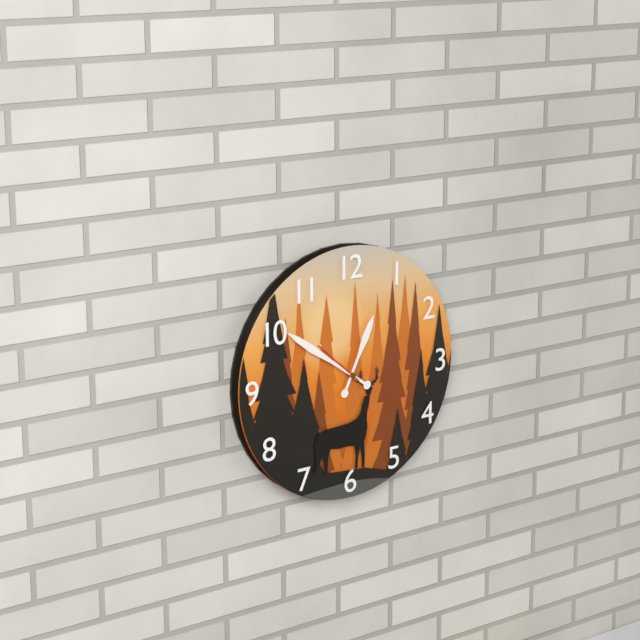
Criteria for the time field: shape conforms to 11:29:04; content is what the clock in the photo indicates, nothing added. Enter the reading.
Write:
12:51:52
